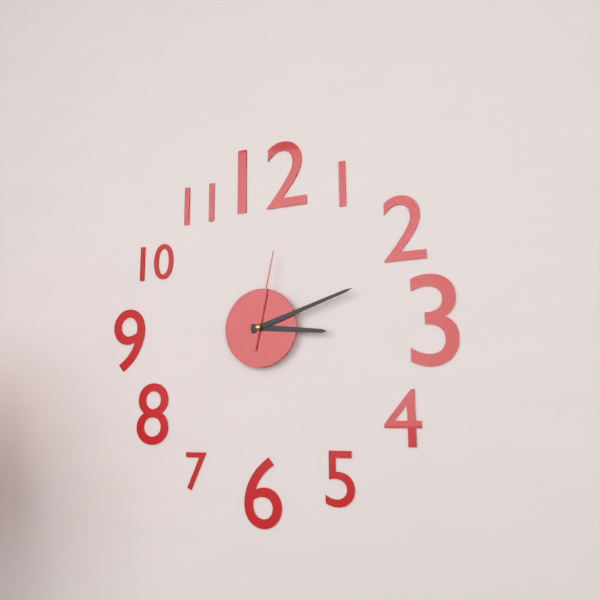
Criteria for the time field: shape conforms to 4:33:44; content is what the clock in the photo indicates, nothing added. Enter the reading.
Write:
3:12:02
